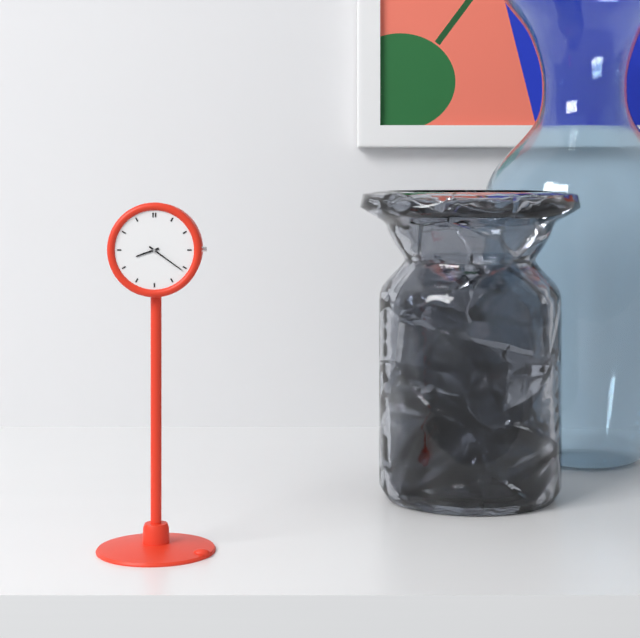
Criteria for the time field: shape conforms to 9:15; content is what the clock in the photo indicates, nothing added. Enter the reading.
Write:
8:21
